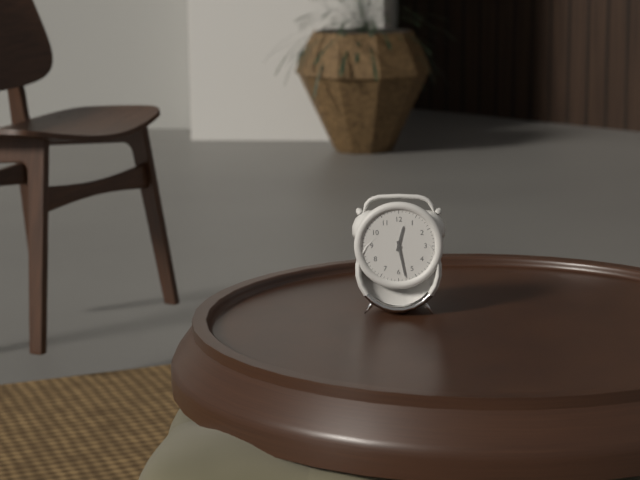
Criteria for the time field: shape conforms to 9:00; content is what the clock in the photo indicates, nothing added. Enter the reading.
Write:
12:28
